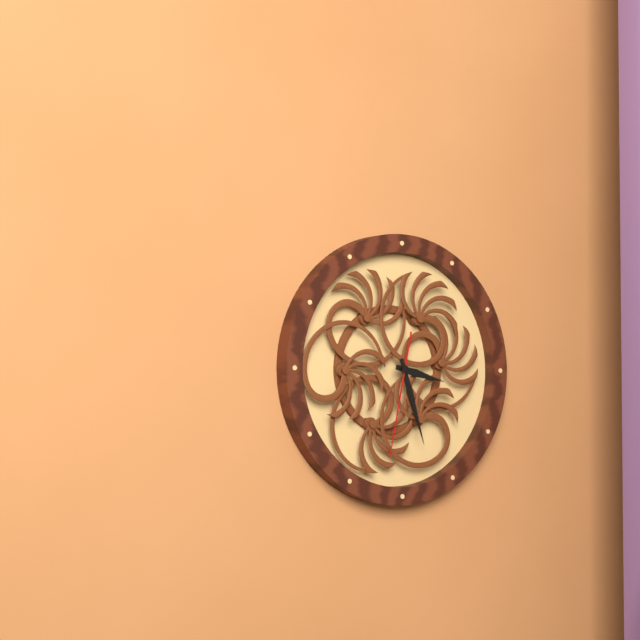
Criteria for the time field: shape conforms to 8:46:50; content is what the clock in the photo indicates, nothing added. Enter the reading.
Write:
3:27:32
